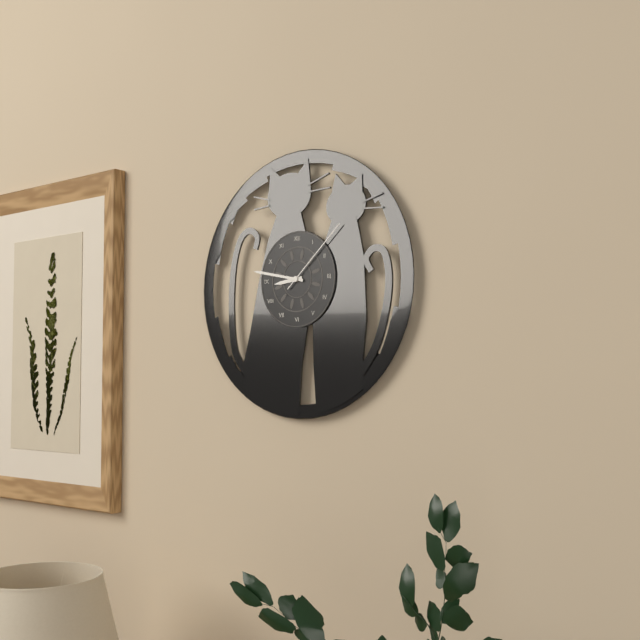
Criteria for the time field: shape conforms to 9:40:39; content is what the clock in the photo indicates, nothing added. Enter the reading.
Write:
8:47:08
